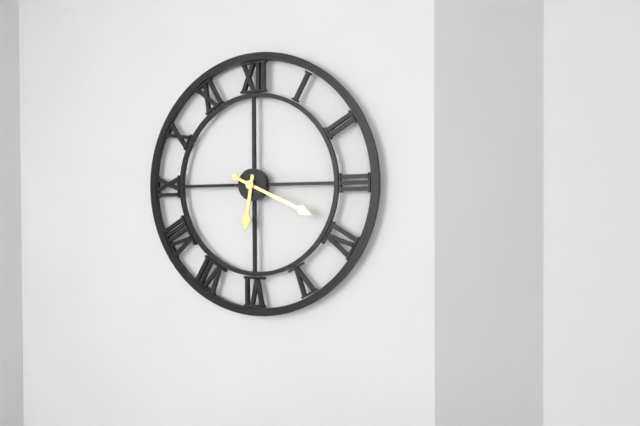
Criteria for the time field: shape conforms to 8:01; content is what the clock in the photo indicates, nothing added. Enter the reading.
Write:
6:19
